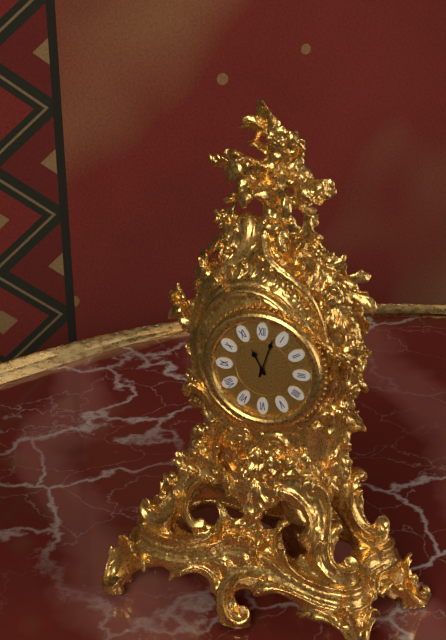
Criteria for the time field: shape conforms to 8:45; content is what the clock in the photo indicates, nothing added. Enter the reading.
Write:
11:03
